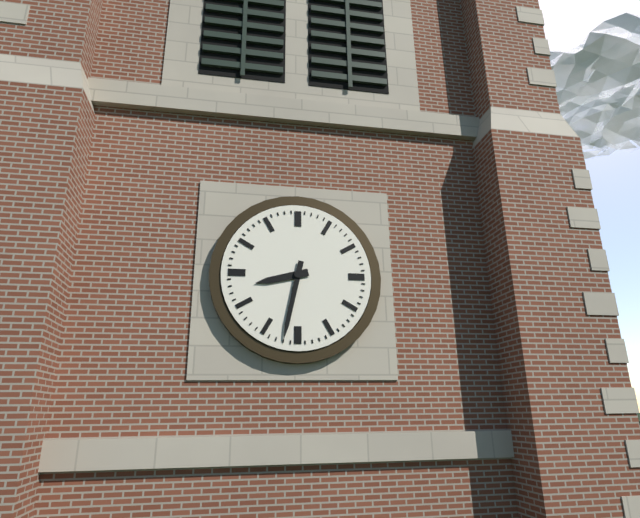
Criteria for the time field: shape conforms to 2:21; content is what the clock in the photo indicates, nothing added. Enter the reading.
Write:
8:32
